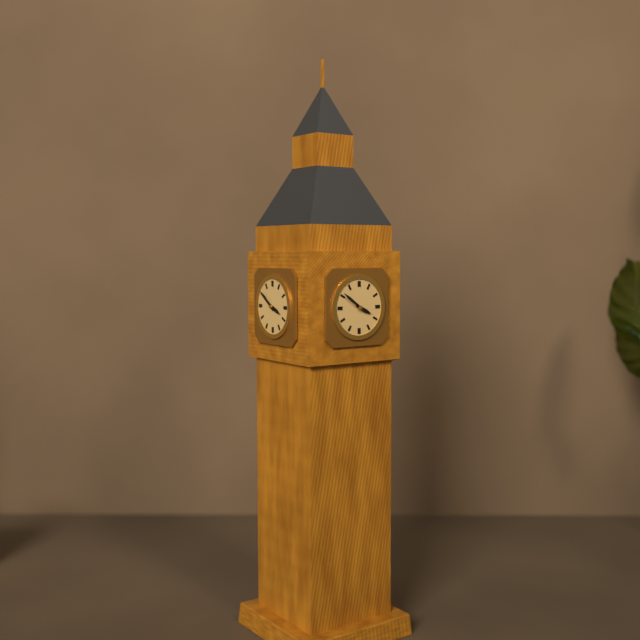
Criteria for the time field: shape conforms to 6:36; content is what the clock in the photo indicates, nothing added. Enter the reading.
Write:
3:51
